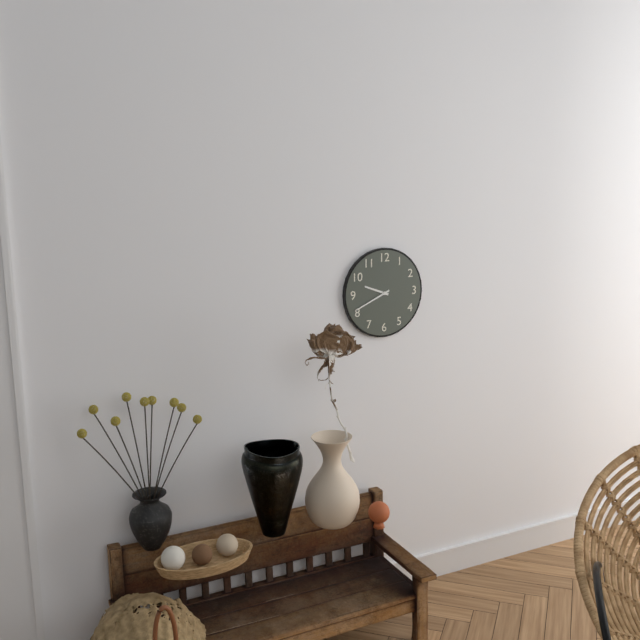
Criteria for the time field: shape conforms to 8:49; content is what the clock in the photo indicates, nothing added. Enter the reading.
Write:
9:41
